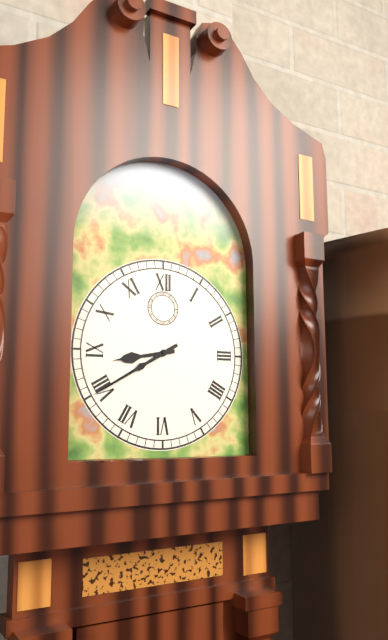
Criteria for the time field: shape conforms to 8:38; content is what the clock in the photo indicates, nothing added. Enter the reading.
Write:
8:40
